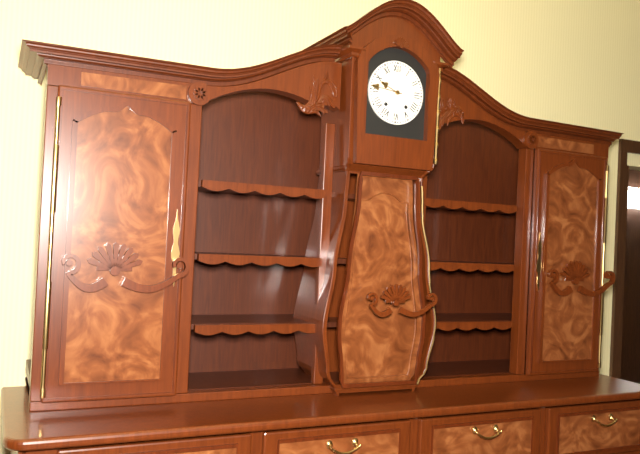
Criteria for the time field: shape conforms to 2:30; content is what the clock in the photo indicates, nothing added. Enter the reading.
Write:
9:46
